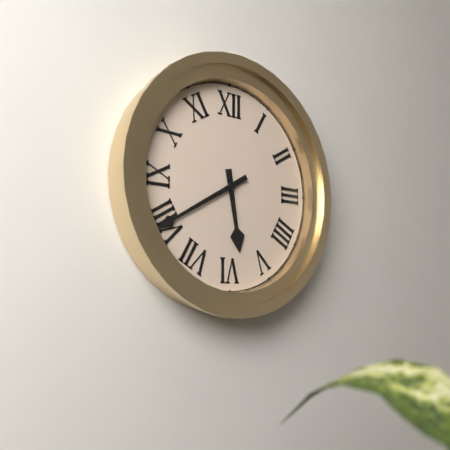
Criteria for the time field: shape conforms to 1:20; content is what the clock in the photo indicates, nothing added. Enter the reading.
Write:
5:40
